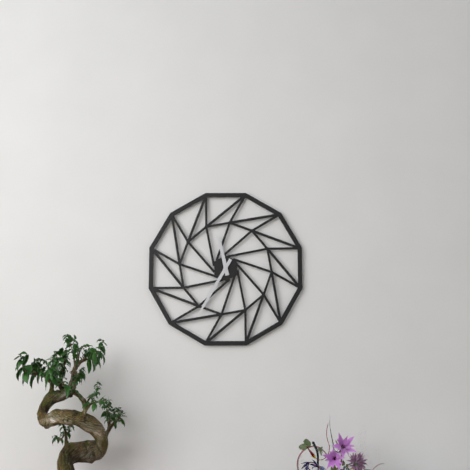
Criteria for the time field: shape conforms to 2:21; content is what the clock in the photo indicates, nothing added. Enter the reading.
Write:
11:35
